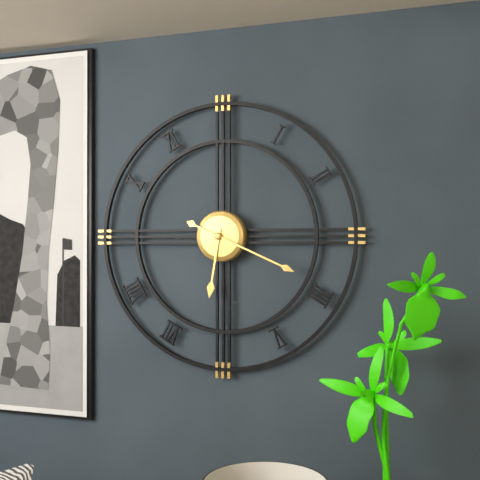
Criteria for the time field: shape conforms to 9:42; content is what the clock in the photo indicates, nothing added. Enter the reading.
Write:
6:19
